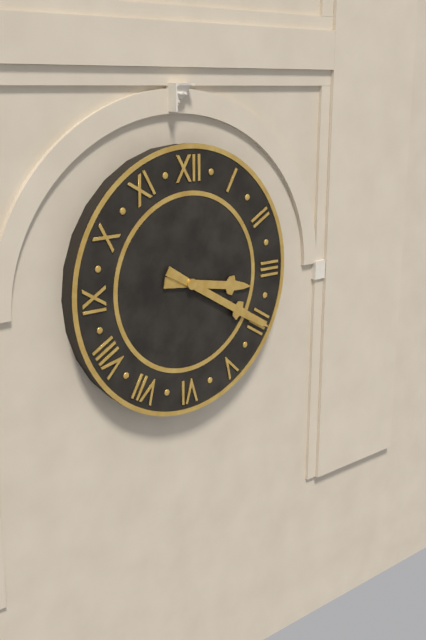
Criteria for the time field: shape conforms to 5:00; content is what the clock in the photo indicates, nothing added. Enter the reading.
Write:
3:20
